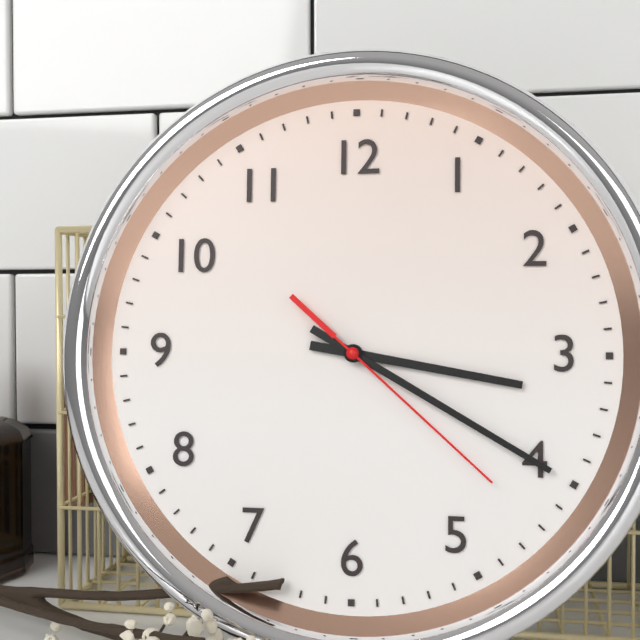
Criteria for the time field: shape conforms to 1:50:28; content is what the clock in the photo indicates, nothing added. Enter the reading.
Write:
3:20:22
